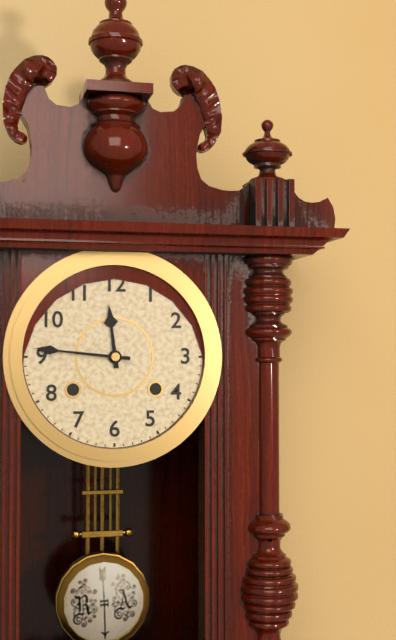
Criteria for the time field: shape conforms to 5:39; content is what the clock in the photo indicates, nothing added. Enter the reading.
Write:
11:46
